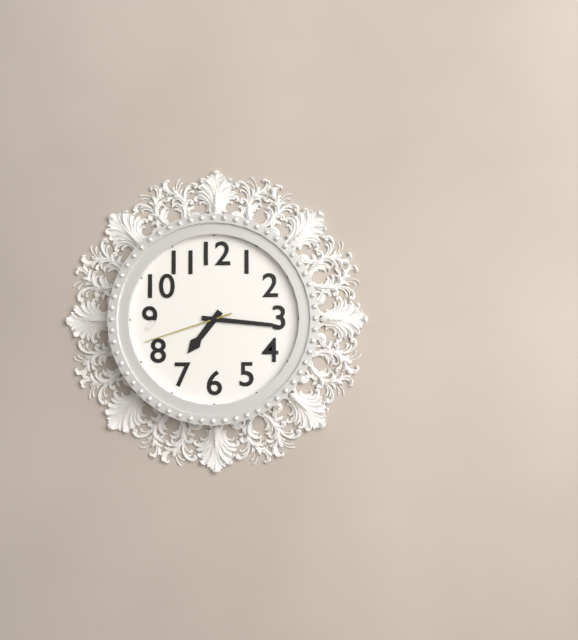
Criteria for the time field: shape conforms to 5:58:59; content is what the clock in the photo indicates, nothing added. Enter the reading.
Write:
7:16:42
